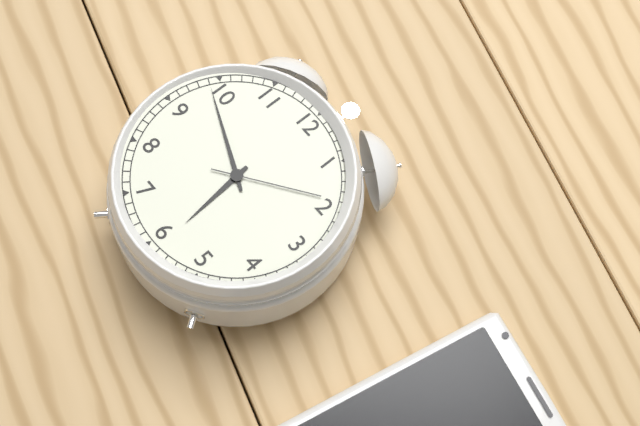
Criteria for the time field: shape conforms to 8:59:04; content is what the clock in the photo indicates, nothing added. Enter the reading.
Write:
5:49:09
